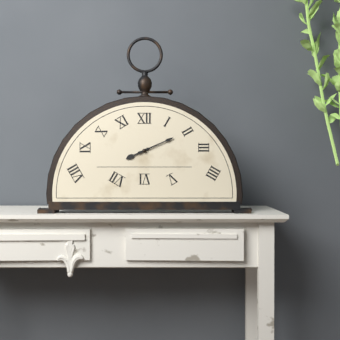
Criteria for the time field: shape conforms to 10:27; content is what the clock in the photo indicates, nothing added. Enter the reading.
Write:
8:11
